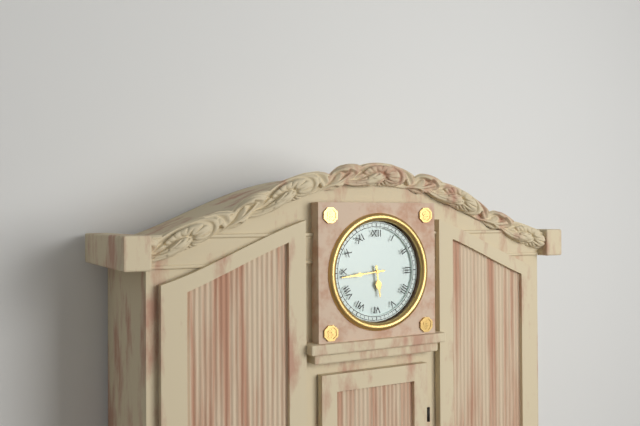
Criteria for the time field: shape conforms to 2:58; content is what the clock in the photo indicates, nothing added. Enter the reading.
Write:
5:44
